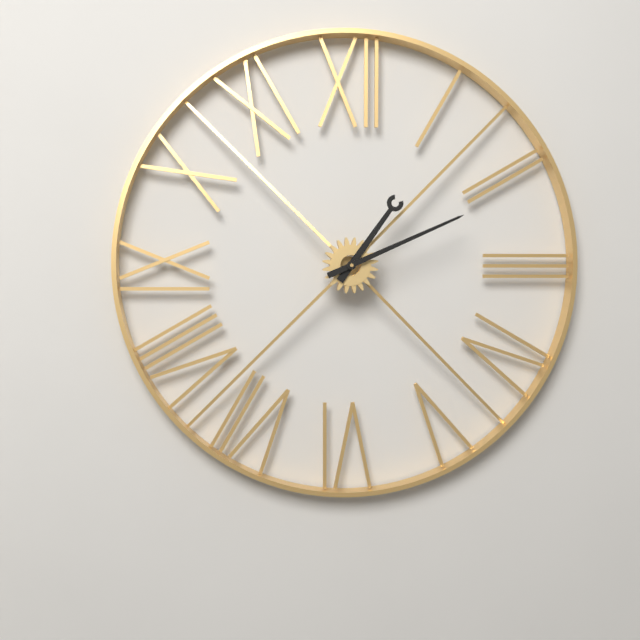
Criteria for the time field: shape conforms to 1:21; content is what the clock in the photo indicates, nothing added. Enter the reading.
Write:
1:11
